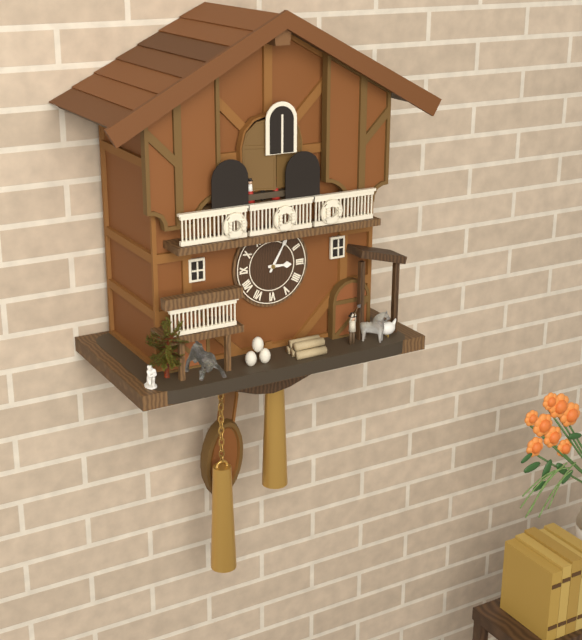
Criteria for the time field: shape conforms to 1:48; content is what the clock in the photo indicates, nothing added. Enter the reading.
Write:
3:05
